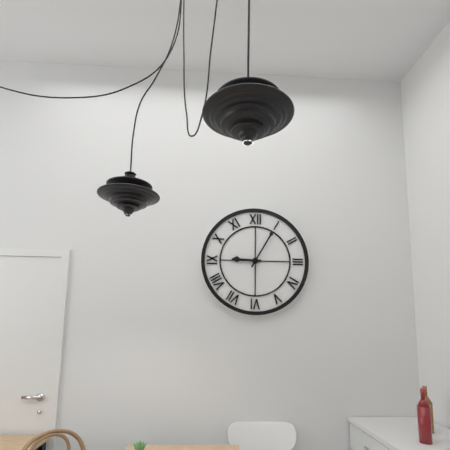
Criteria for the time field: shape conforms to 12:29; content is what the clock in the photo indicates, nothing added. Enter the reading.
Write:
9:05
